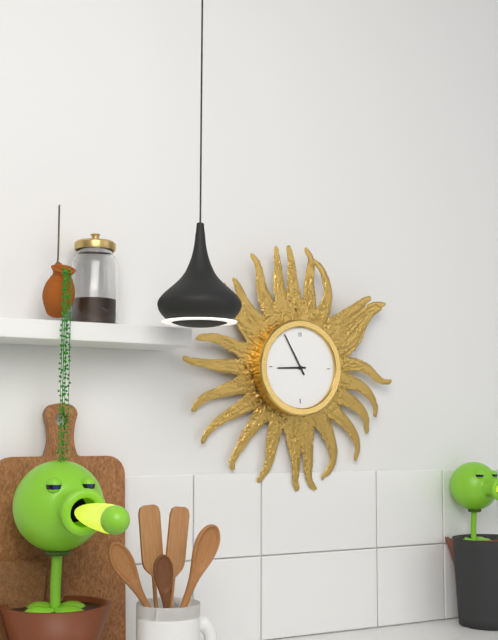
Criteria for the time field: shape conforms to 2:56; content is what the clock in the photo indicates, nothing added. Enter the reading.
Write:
8:55
